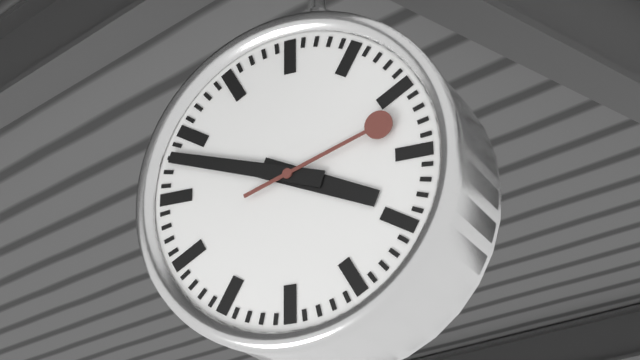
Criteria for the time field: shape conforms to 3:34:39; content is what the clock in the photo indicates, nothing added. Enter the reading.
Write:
3:48:12
